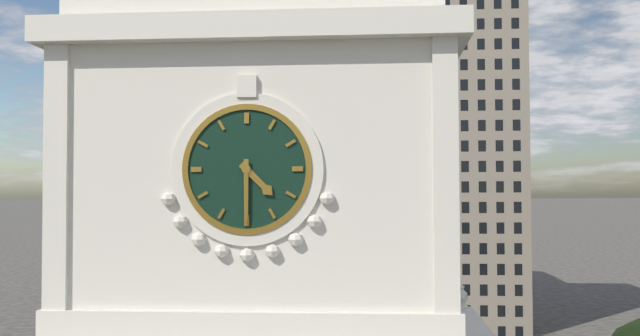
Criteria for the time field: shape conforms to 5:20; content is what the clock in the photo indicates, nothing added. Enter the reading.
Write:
4:30
